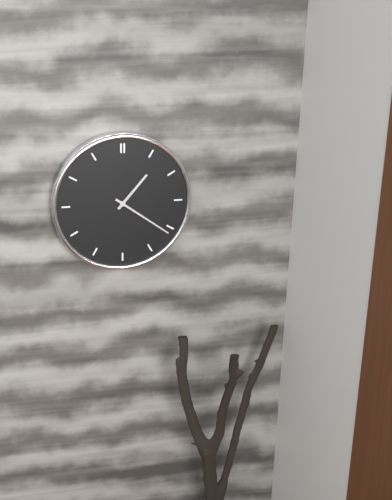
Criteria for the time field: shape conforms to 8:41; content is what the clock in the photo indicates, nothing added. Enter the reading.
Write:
1:21
